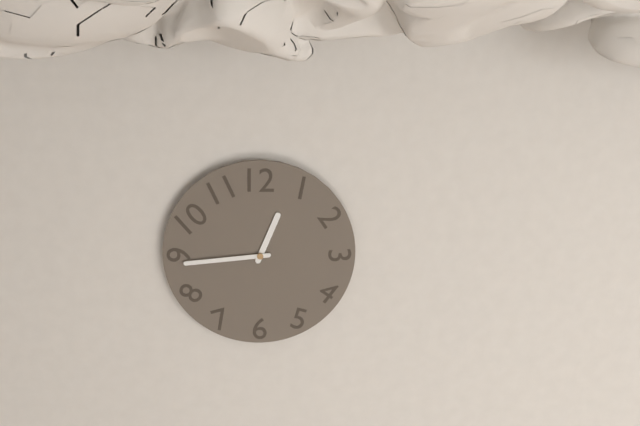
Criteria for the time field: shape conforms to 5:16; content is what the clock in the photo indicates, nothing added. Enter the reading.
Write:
12:44
